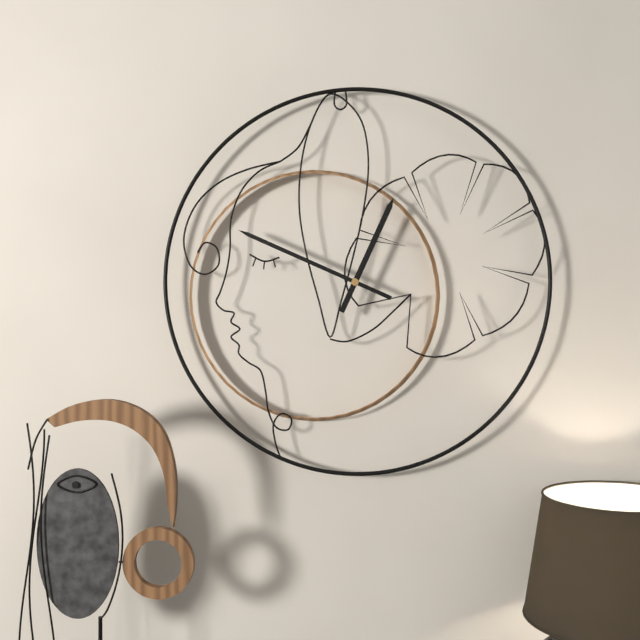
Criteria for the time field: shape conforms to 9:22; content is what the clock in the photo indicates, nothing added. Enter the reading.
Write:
12:49
